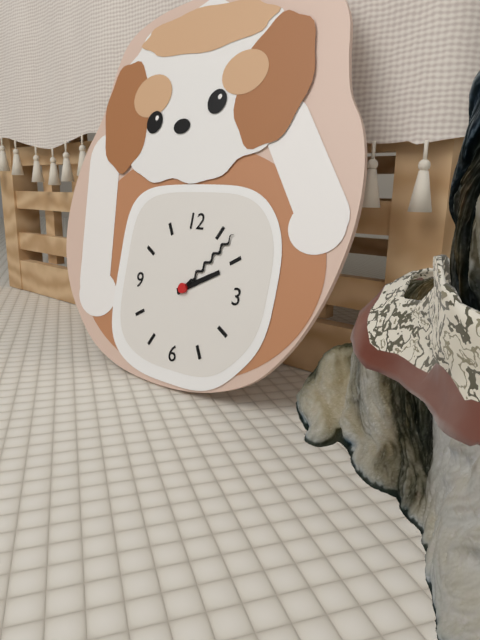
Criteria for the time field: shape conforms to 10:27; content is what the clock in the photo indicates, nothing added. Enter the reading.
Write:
2:07
